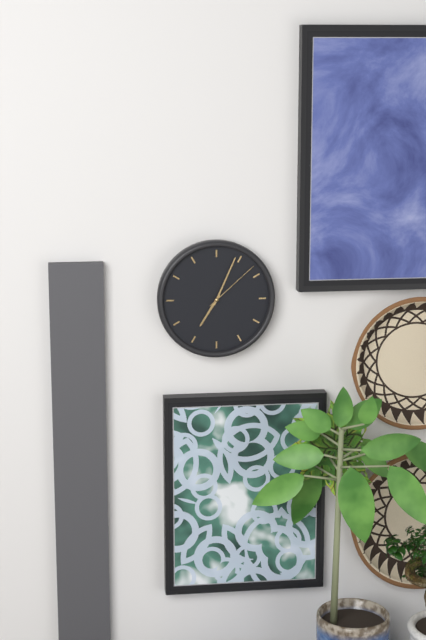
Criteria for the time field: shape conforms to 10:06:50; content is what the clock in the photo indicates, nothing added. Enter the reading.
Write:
7:04:08
